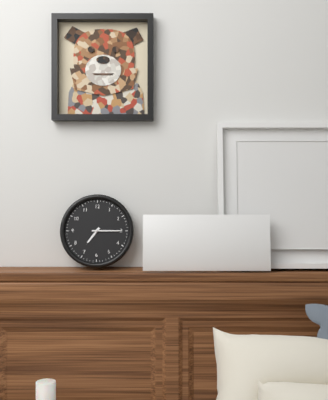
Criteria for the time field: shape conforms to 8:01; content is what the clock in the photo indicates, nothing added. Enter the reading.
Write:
7:15
